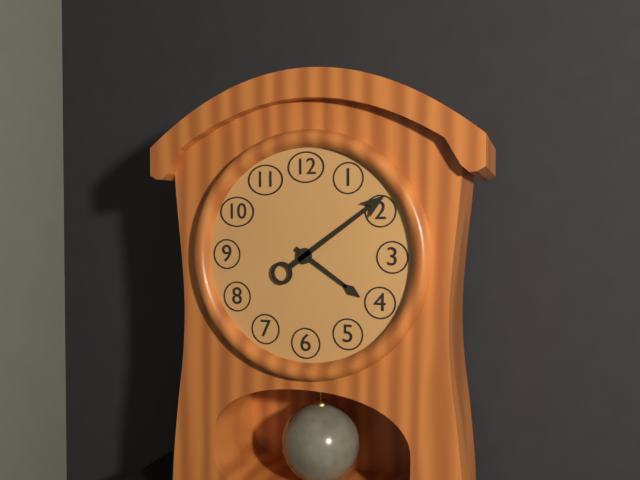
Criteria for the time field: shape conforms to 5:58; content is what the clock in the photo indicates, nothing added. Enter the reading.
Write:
4:09
